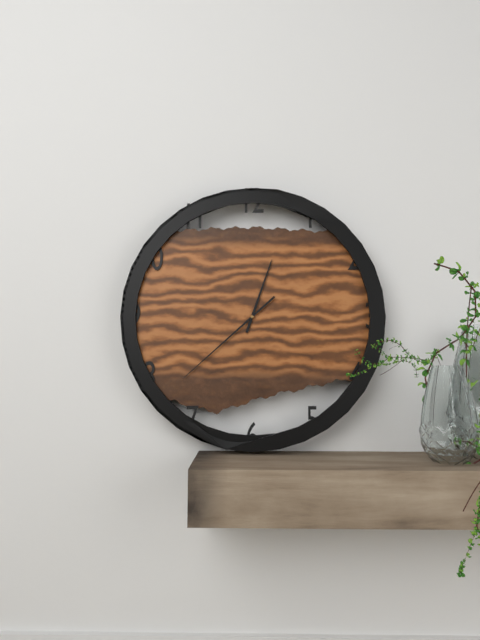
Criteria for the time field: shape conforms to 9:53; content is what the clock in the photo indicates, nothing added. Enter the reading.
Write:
12:38
